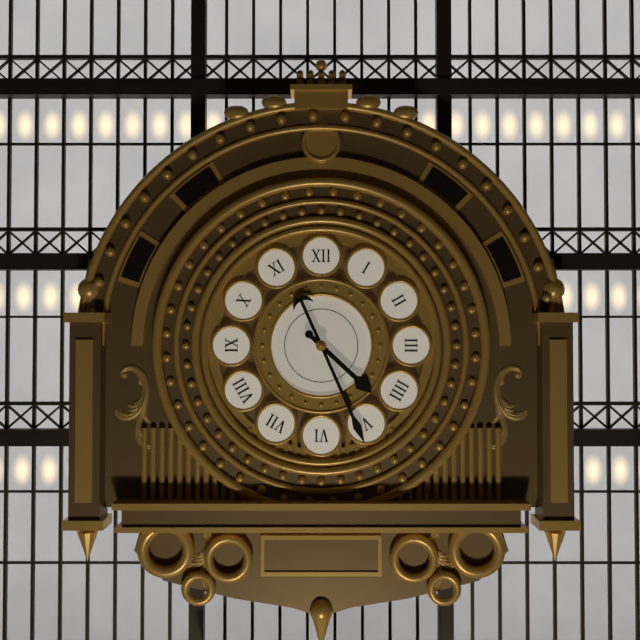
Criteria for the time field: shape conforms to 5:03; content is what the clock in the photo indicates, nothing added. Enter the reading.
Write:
4:26
